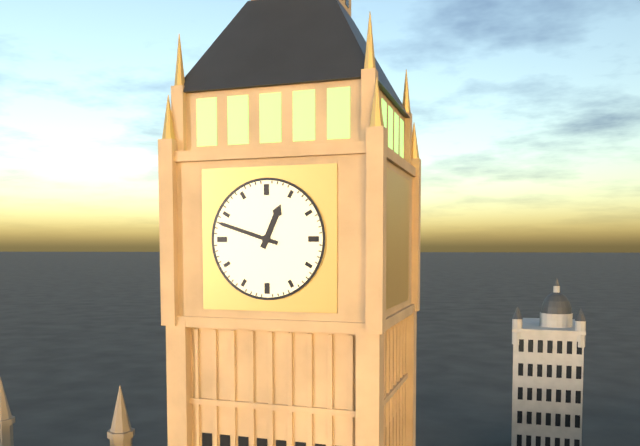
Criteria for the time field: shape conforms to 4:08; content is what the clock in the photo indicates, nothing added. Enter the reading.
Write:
12:48
